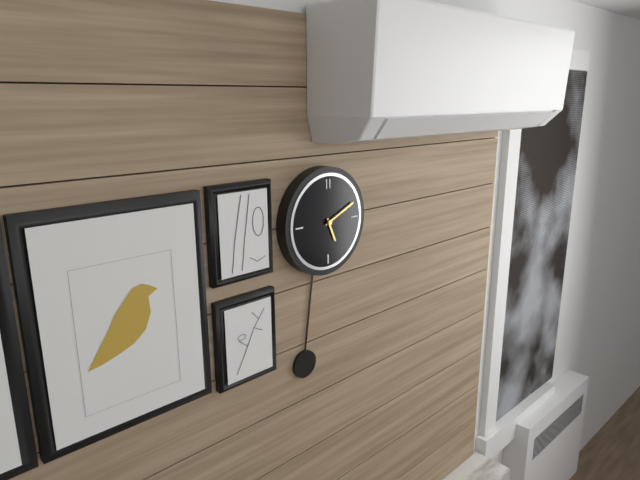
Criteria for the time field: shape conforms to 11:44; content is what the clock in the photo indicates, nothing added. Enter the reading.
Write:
5:11
